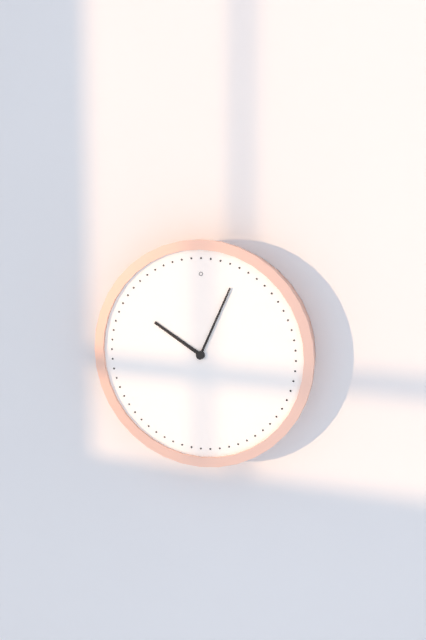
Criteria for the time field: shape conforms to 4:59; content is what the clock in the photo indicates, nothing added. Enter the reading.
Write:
10:04
